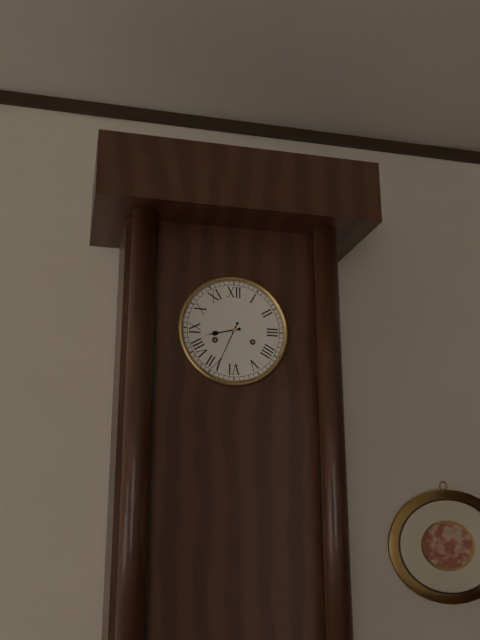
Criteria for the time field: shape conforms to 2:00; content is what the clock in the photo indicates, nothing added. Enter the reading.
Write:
8:34
